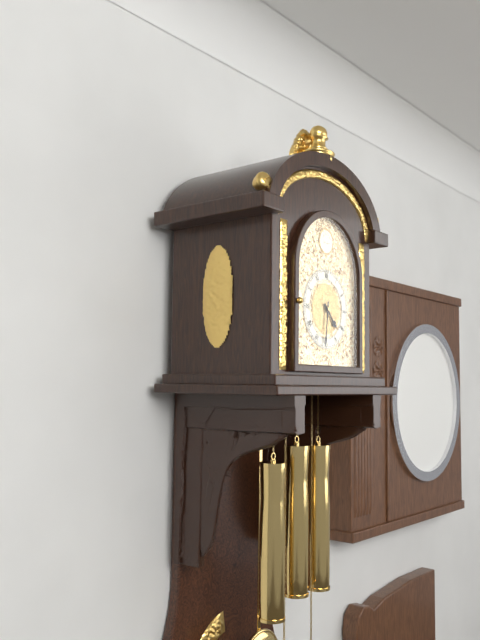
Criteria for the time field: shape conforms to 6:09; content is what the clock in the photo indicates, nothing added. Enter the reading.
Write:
4:31
